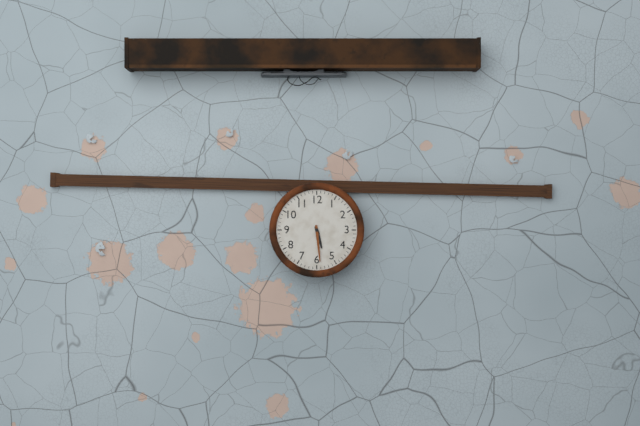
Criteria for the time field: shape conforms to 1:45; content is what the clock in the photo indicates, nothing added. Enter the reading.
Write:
5:29
